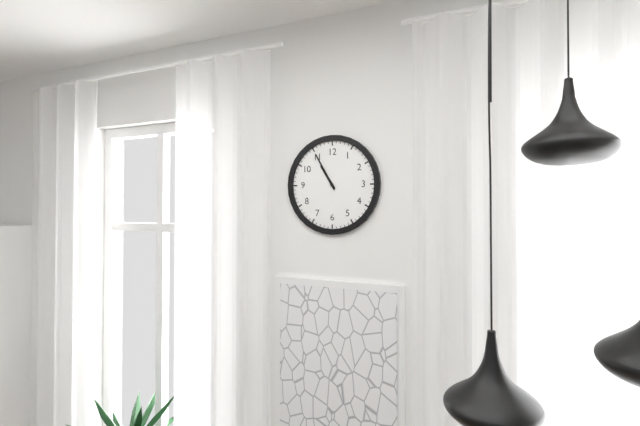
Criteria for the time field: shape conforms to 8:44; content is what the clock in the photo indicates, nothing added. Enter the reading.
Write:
10:55
